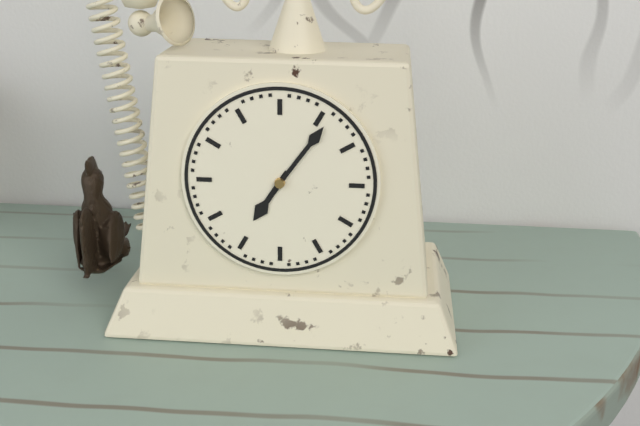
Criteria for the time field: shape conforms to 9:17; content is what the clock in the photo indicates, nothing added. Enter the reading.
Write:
7:06
